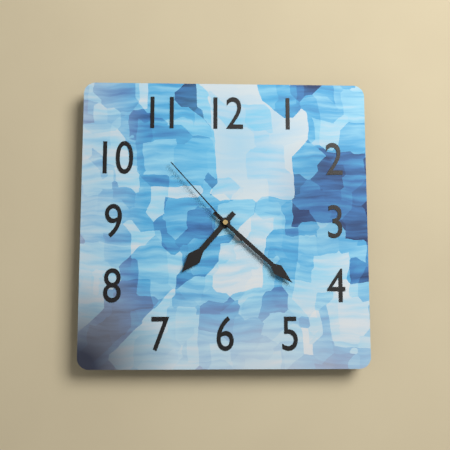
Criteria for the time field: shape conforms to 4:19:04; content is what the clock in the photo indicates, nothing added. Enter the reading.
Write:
7:22:53
